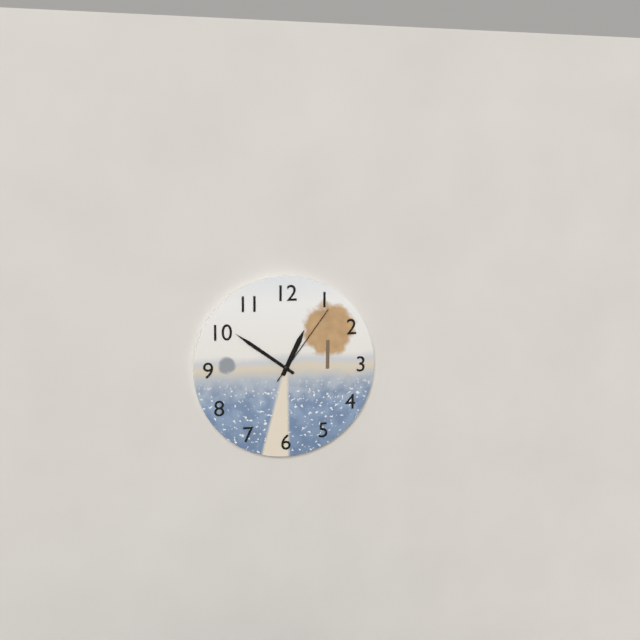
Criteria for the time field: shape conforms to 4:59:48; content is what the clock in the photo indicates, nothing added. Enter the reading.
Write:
12:51:06
